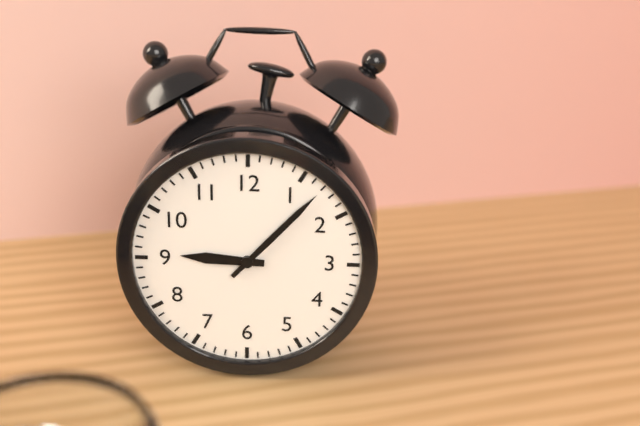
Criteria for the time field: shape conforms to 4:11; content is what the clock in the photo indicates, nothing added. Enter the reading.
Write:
9:07
